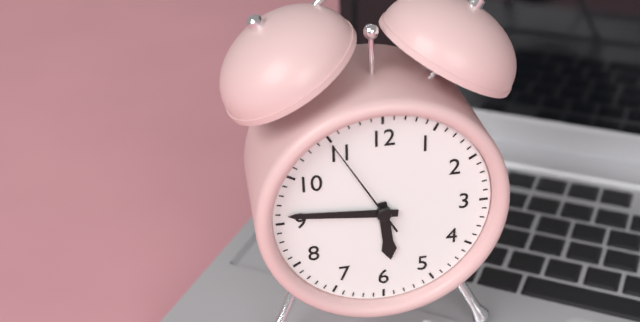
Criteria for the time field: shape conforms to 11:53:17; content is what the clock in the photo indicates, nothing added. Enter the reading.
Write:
5:46:55
